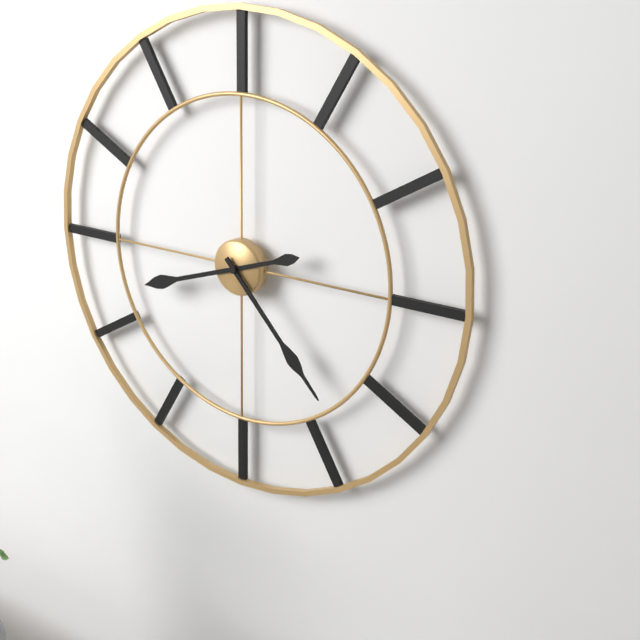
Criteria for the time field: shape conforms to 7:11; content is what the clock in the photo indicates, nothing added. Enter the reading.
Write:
8:23
